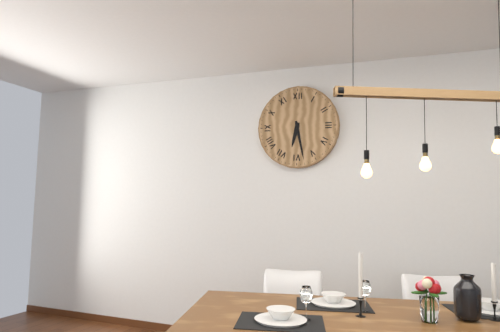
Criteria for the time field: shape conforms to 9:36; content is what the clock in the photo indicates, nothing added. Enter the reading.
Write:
6:28
